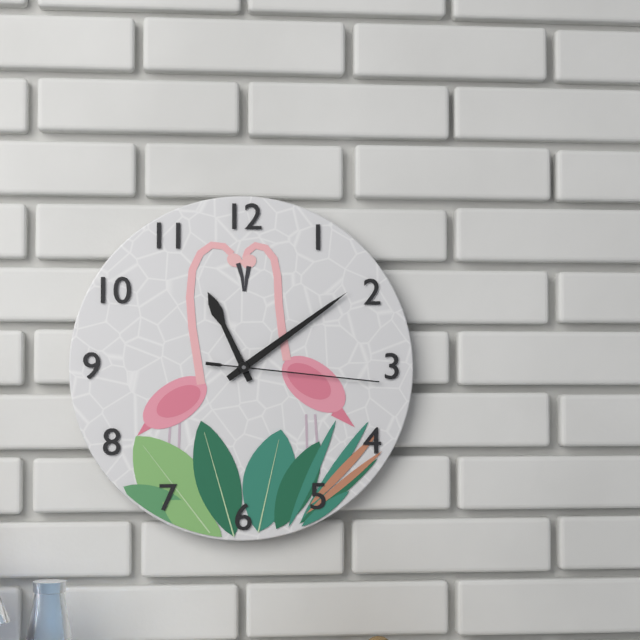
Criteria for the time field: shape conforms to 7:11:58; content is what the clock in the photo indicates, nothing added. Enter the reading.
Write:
11:09:16
